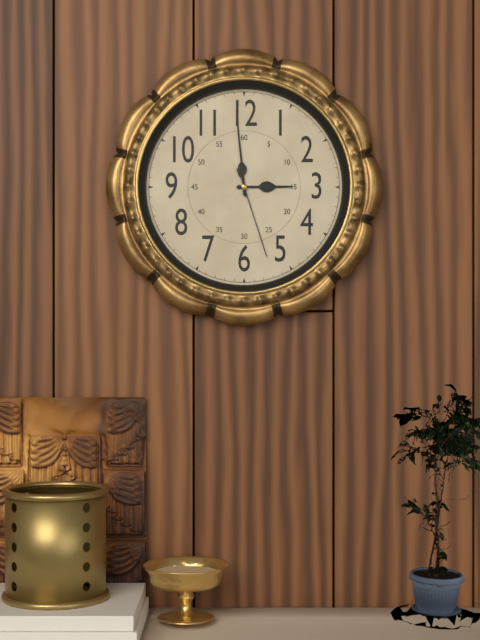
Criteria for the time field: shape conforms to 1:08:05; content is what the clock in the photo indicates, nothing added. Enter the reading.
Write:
2:59:27
